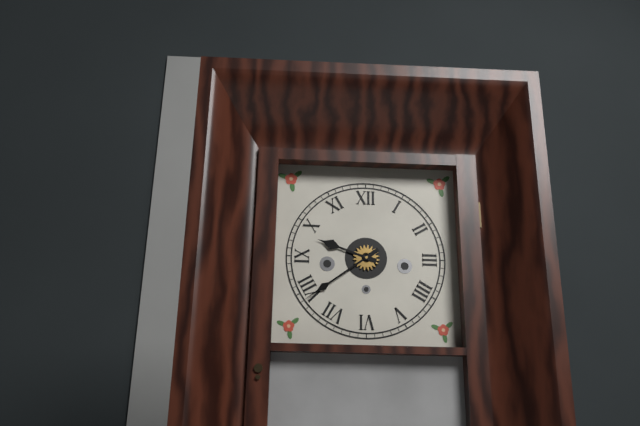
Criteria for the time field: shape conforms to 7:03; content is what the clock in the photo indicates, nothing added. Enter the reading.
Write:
9:39
